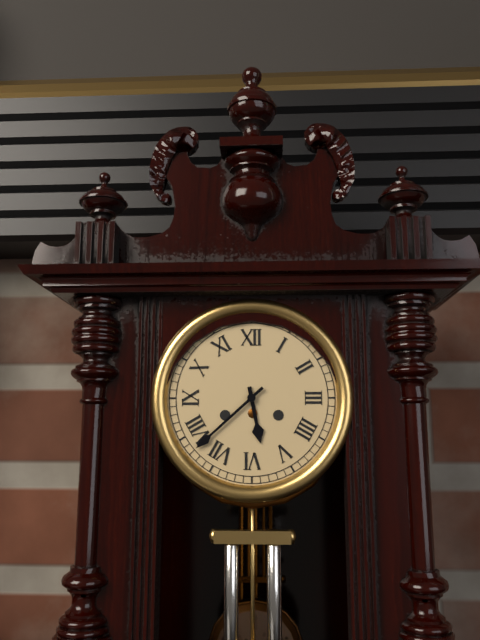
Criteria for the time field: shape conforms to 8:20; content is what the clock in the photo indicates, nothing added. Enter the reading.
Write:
5:38
